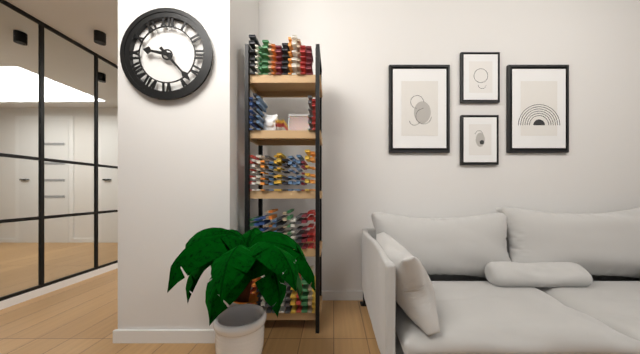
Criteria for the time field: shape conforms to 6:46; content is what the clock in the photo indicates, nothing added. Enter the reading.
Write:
9:23
